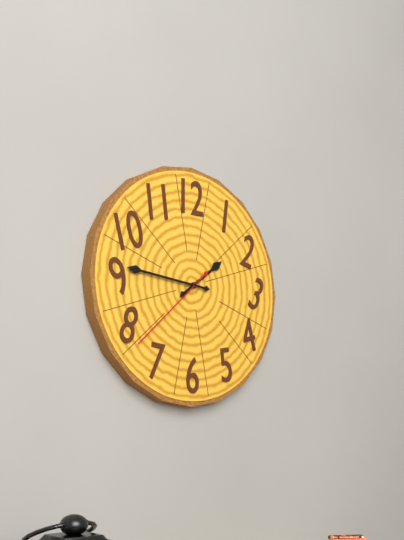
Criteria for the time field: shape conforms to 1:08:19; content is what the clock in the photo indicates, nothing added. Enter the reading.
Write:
1:46:38
